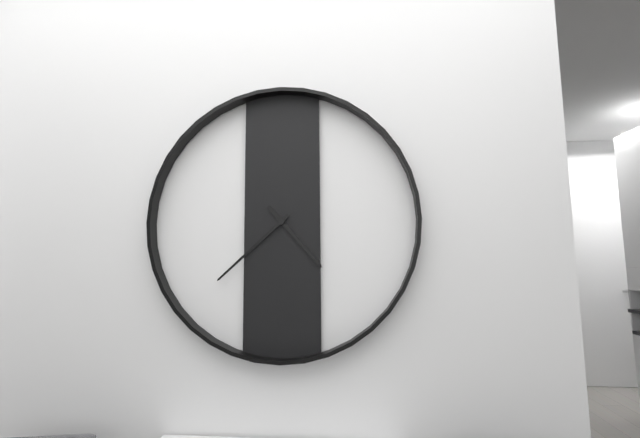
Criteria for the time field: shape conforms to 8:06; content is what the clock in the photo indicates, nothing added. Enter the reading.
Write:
4:38
